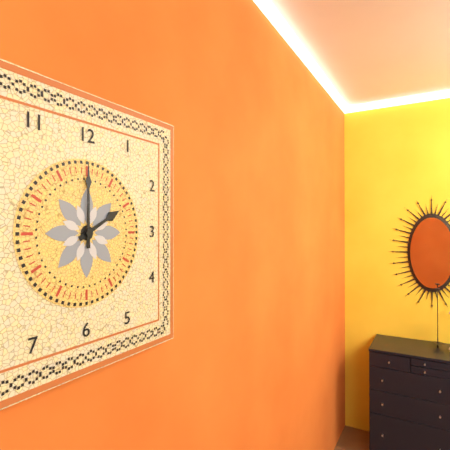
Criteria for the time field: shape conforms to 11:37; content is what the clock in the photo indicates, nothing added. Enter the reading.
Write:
2:00
